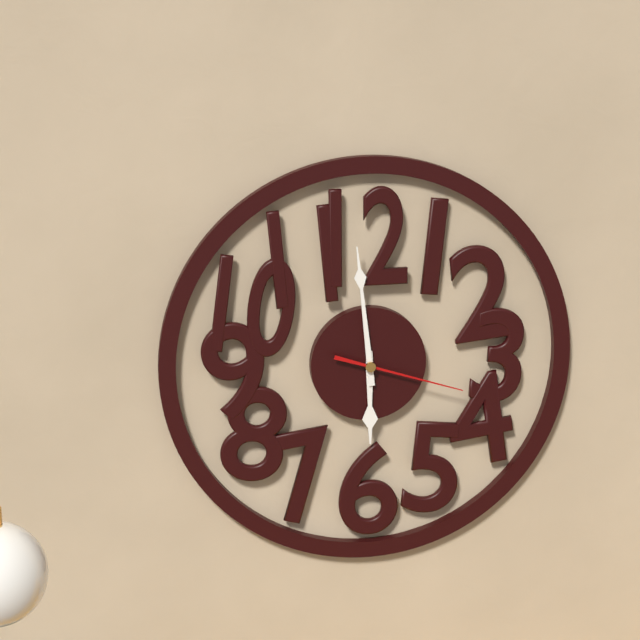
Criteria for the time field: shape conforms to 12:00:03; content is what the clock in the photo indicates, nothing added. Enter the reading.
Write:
5:59:18
